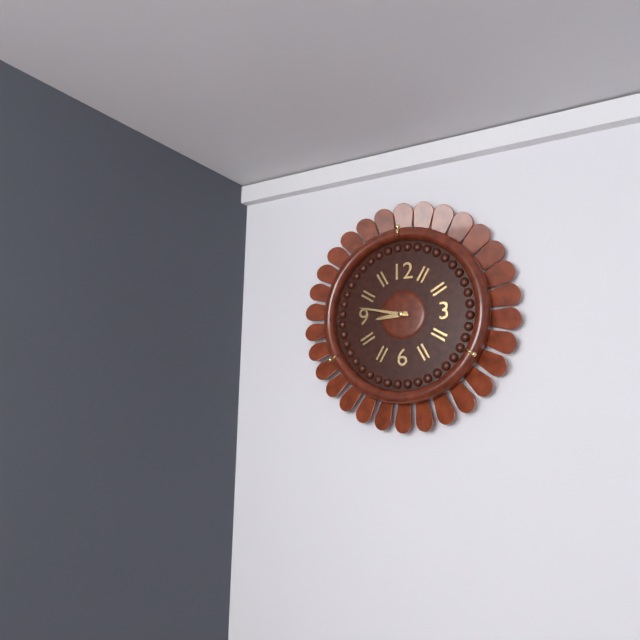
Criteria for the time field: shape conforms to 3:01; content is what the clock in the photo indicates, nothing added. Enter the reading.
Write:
8:47
